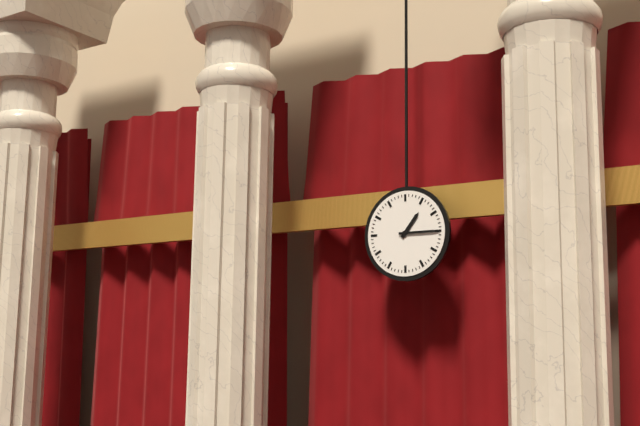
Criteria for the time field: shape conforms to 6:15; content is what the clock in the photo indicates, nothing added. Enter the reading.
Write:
1:15
